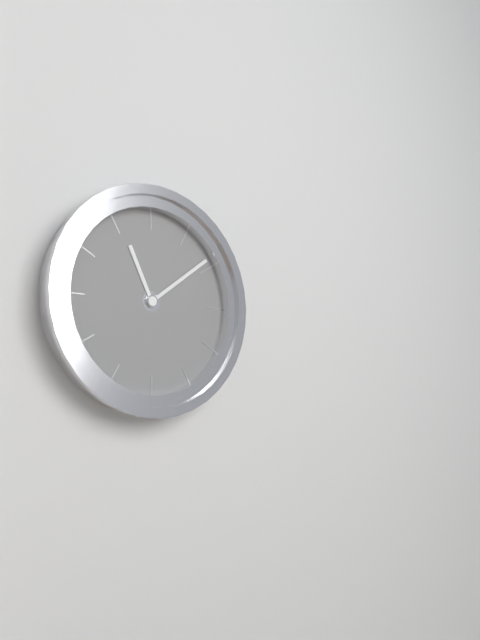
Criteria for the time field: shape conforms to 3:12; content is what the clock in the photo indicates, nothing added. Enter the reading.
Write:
11:09
